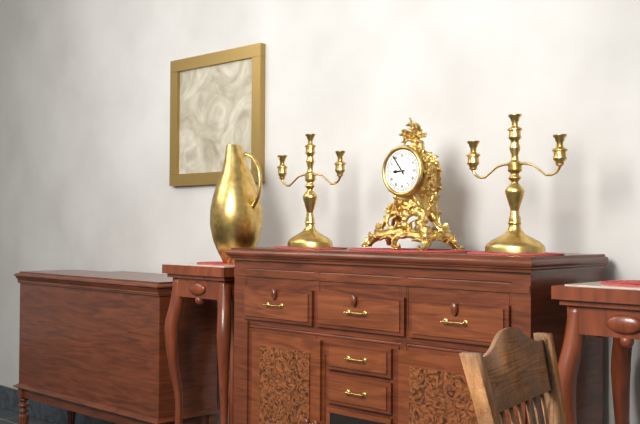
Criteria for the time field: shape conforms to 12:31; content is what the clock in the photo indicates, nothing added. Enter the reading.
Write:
8:54
